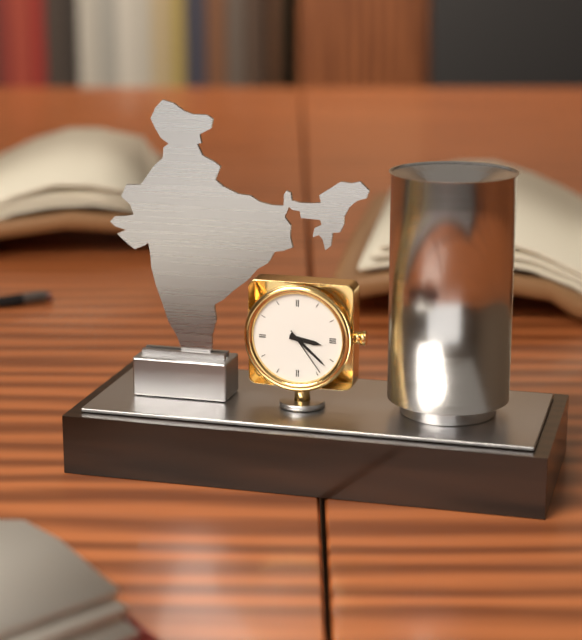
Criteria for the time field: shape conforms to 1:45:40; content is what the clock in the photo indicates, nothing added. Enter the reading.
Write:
3:22:24
